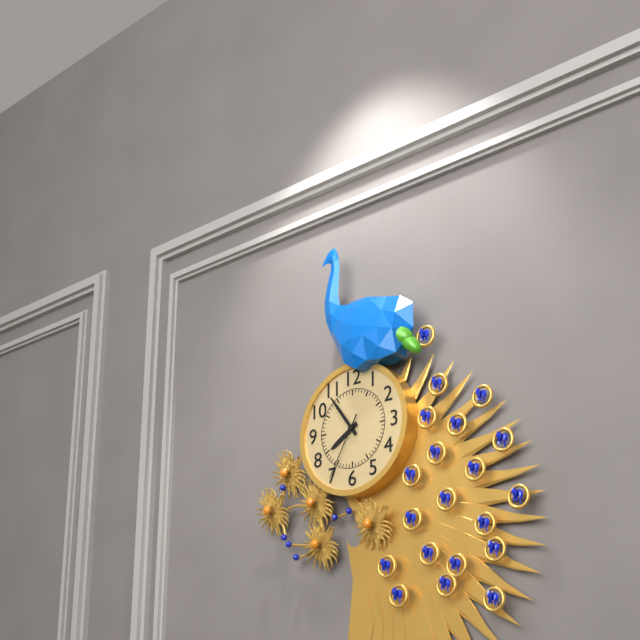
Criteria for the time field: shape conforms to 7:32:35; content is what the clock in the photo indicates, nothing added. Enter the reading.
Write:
7:54:35
